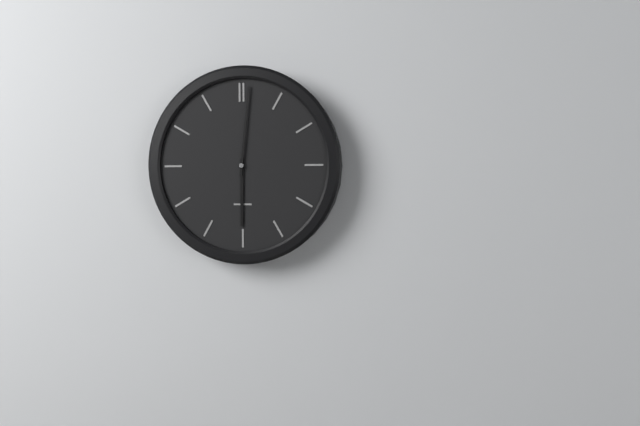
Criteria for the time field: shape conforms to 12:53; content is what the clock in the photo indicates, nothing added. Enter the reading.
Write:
6:01
